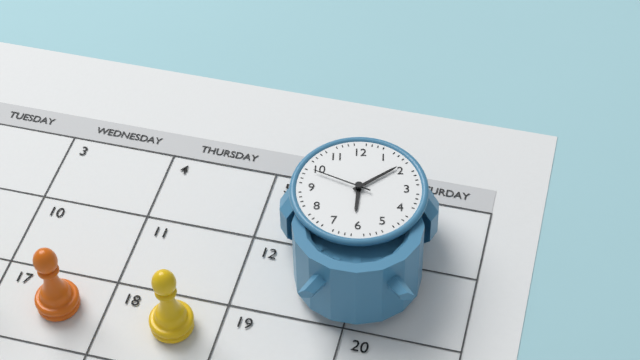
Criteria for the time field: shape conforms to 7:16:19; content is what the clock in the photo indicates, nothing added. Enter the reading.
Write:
6:09:49
